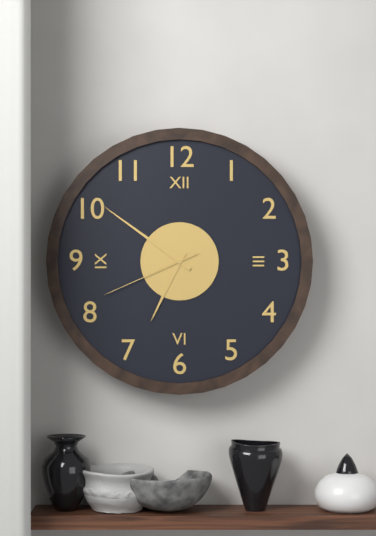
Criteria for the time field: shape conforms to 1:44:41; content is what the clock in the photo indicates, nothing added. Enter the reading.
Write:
6:51:41
